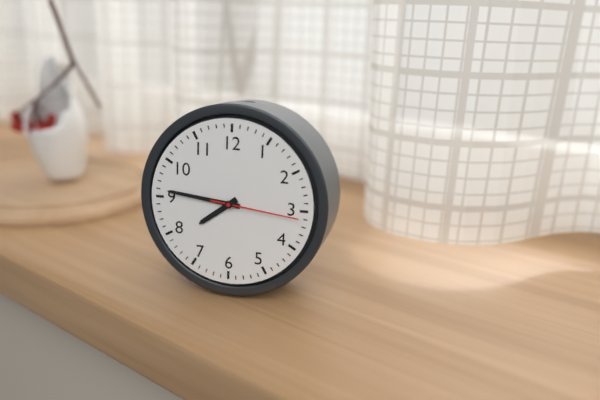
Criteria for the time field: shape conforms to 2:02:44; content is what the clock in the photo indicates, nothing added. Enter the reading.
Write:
7:46:16
